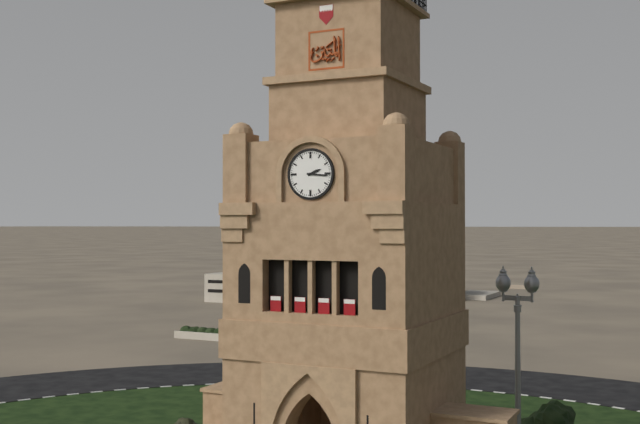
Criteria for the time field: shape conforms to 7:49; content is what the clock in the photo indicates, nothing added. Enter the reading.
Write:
2:16
